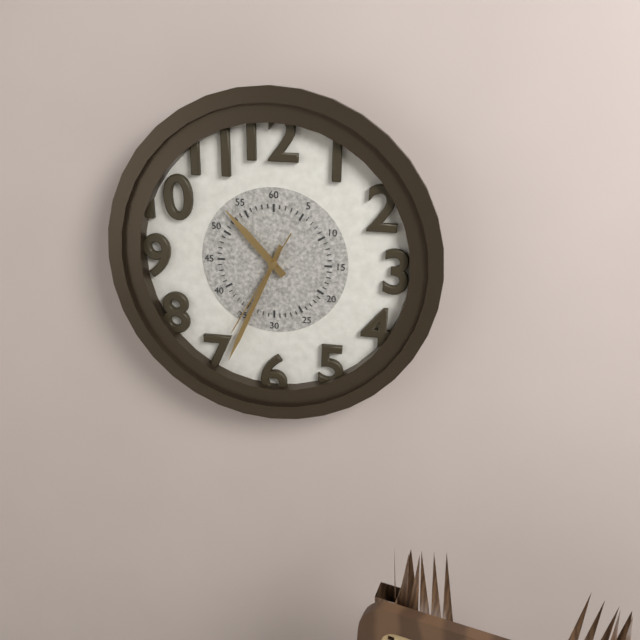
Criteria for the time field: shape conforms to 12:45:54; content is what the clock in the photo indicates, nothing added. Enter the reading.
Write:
10:34:35
